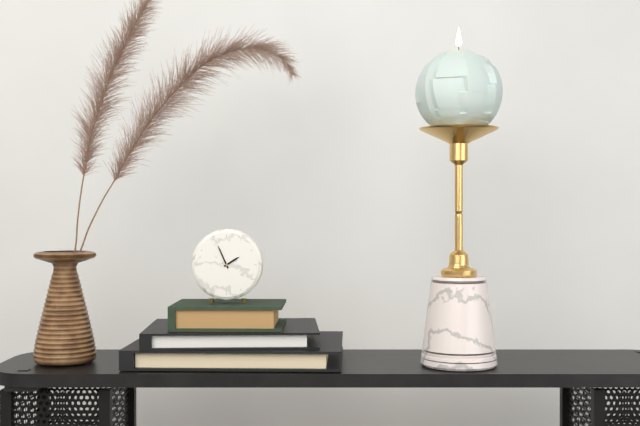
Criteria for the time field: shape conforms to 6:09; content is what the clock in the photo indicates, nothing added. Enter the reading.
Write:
1:56
